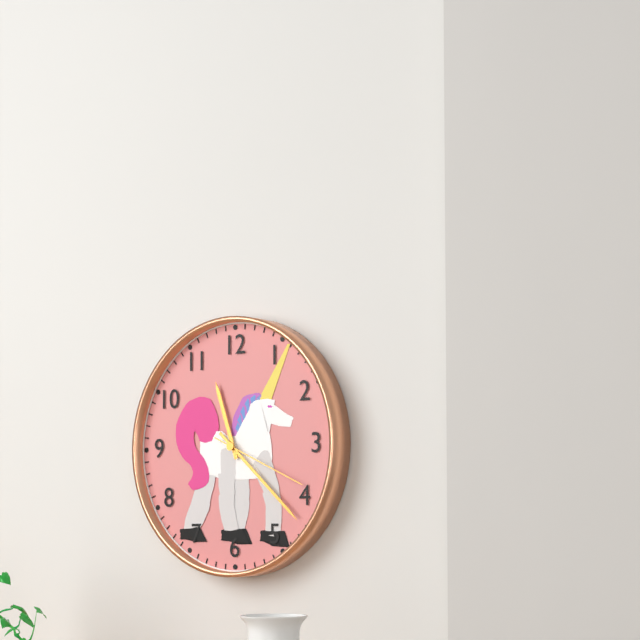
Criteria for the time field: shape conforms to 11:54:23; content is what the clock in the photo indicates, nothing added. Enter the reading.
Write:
11:22:19
